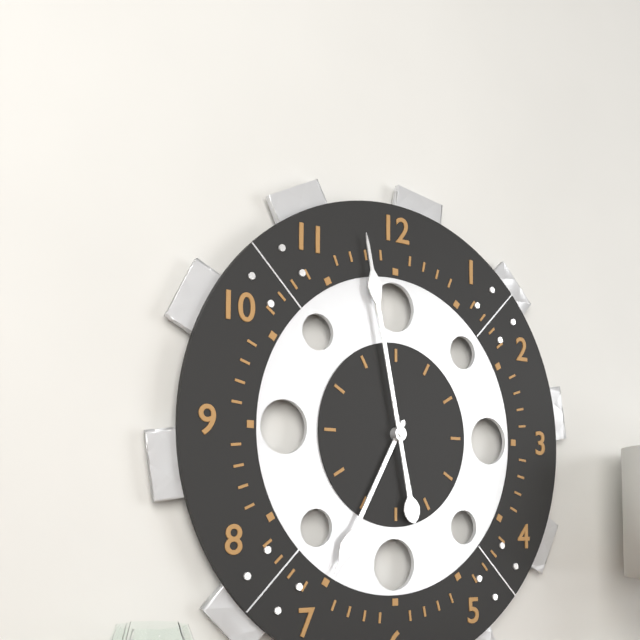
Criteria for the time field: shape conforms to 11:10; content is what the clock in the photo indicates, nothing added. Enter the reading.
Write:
6:58
